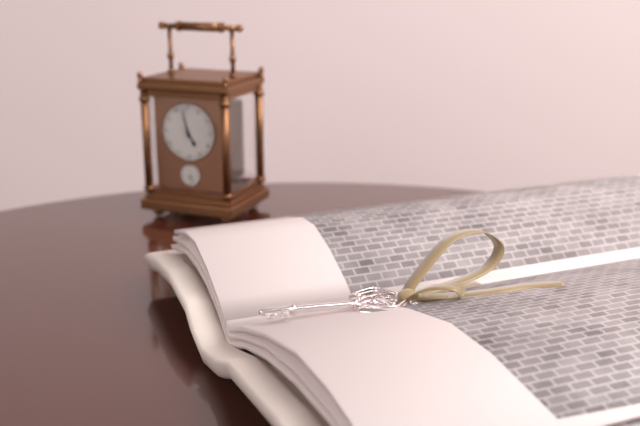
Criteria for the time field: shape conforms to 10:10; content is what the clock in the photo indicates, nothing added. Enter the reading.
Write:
4:58
